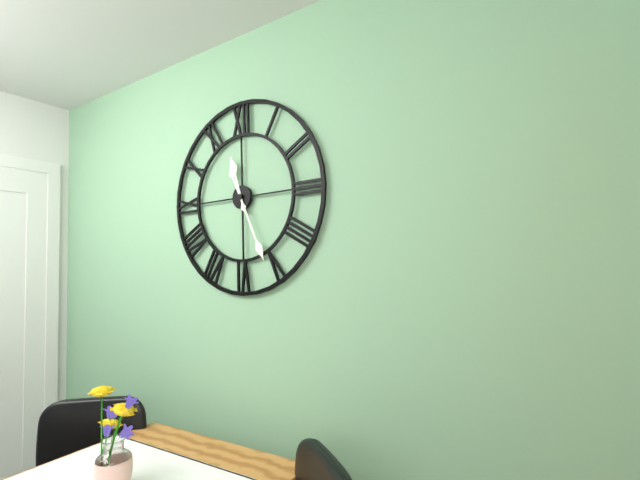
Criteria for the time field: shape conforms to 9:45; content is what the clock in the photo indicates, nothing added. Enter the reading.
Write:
11:26
